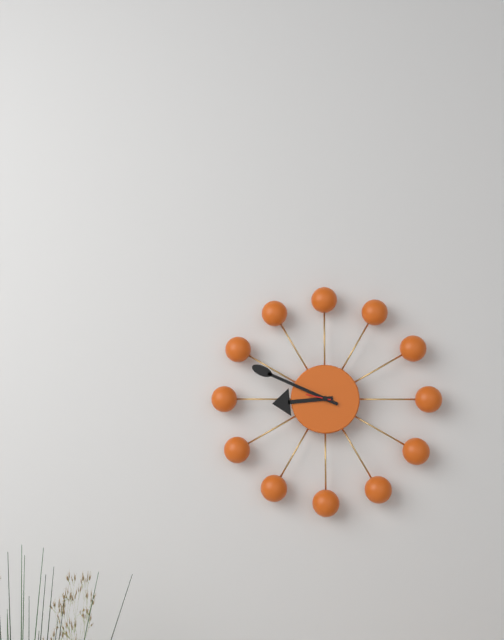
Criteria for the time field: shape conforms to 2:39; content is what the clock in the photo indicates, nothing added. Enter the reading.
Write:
8:49
